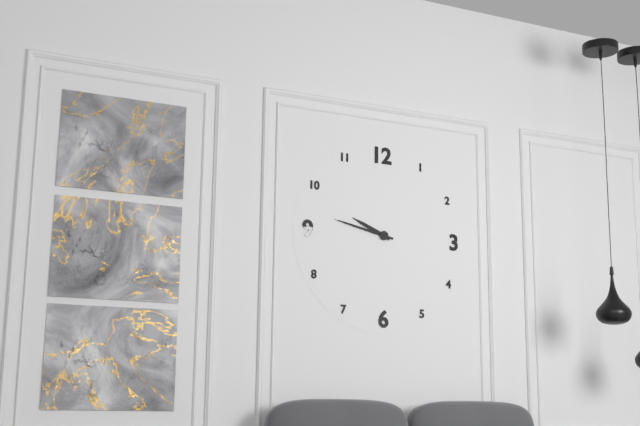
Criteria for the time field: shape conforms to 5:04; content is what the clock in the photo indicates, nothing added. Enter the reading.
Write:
9:47
